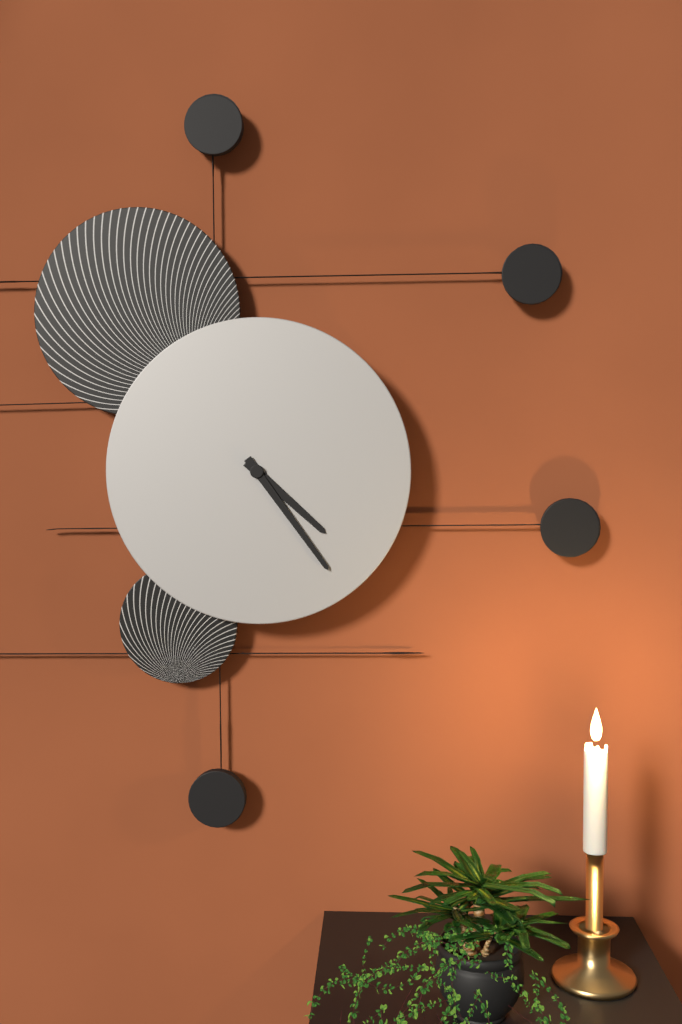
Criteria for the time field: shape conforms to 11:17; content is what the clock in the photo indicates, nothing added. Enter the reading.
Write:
4:24
